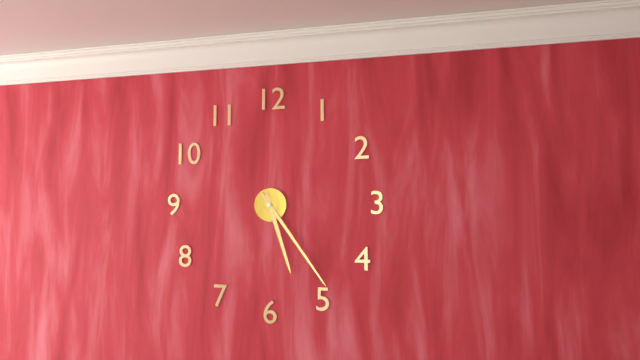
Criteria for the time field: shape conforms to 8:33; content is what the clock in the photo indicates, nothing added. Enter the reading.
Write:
5:24
